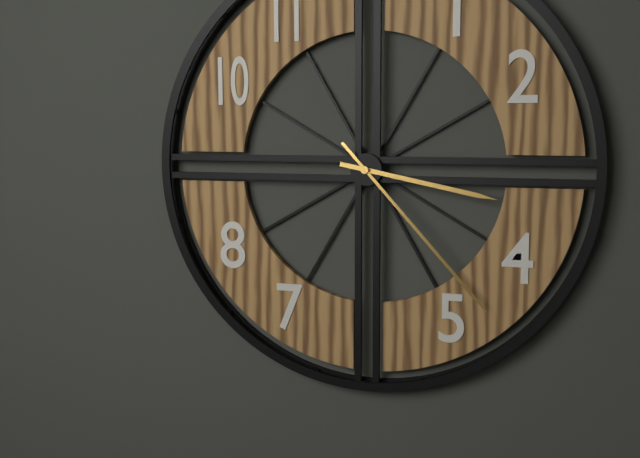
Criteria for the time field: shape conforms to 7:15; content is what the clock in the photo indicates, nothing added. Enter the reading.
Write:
3:23
